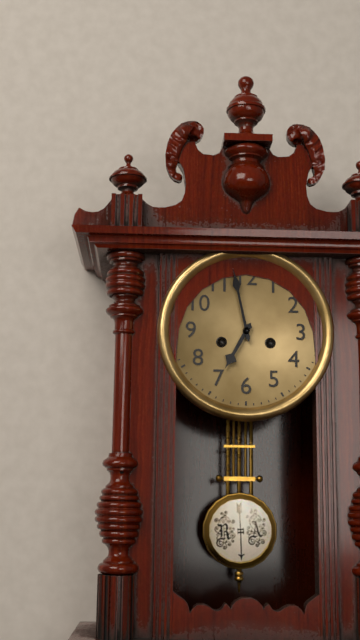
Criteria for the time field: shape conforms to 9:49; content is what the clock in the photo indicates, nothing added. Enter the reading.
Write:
6:58
